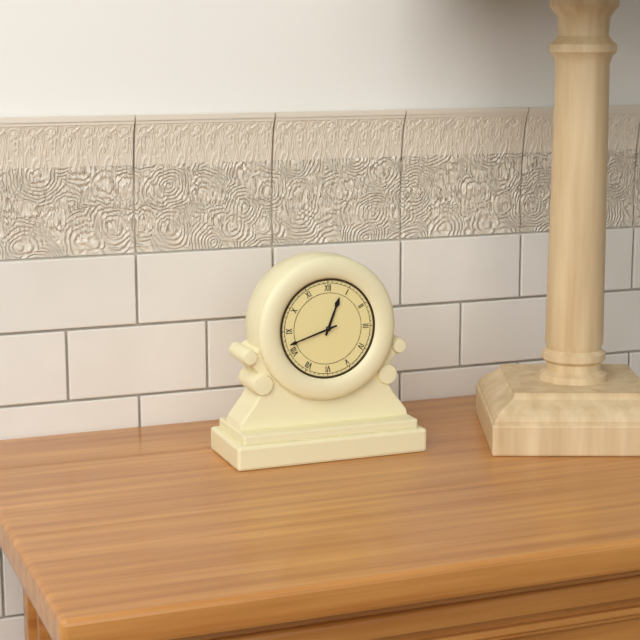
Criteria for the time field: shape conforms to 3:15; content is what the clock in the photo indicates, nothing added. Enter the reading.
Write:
12:42
